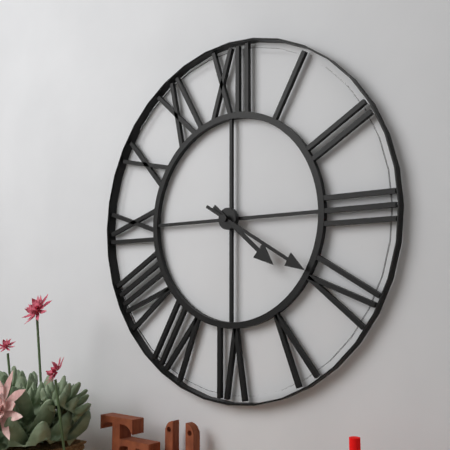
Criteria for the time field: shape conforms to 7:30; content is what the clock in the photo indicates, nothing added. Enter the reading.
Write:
4:20
